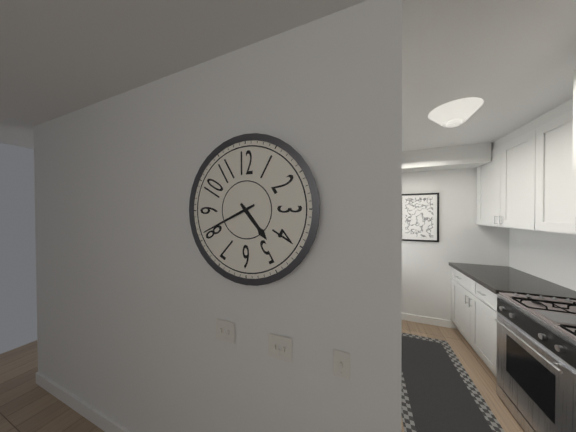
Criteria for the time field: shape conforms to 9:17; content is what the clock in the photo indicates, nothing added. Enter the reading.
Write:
4:41
